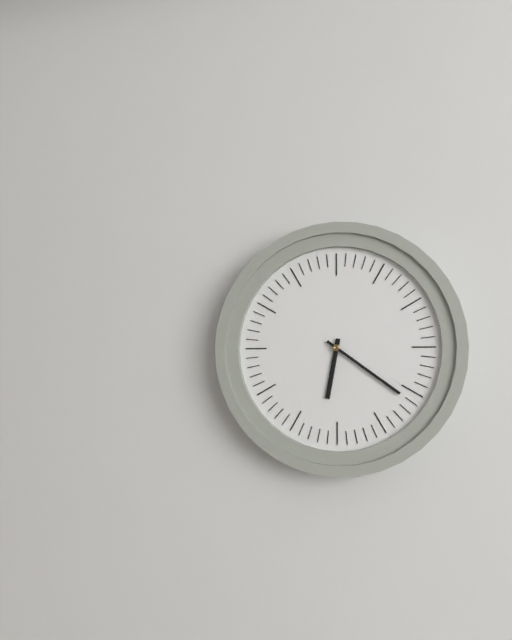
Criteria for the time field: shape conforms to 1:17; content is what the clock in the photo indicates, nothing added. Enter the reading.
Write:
6:21
